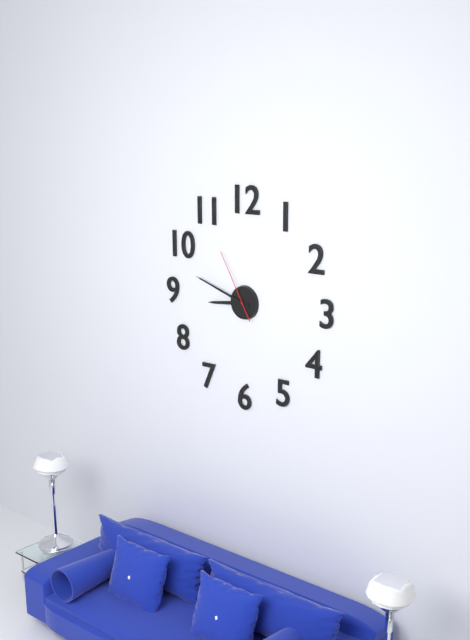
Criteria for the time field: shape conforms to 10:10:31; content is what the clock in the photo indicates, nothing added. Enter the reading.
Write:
8:48:55
